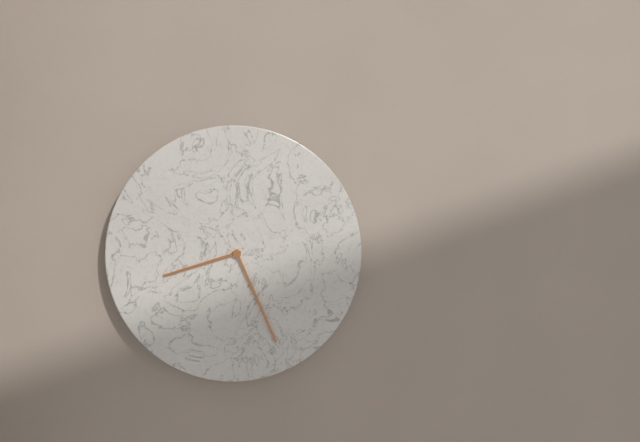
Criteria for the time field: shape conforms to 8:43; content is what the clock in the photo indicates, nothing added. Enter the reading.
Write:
8:26
